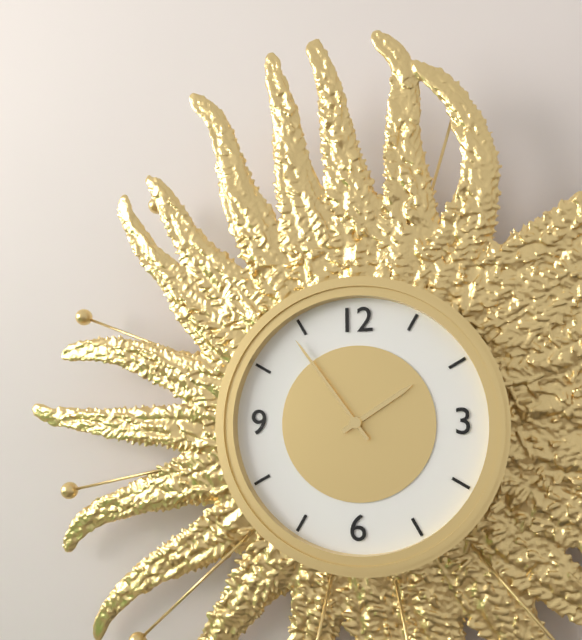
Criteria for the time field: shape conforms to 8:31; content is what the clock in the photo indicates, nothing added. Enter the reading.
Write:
1:54
